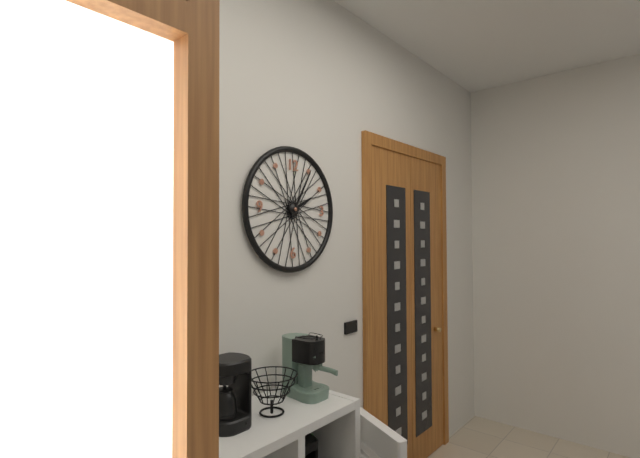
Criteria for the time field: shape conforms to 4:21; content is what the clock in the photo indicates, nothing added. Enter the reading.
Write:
2:05
